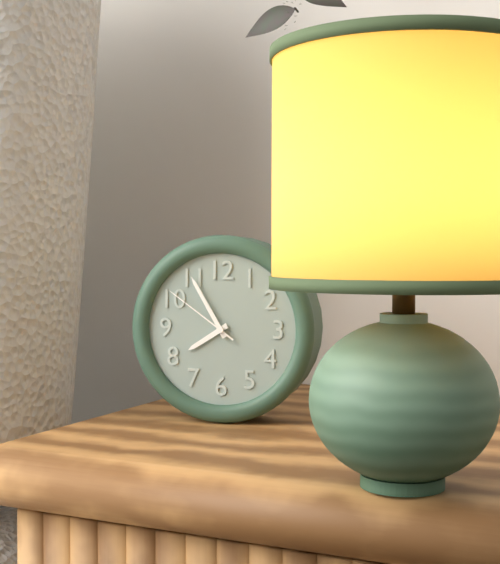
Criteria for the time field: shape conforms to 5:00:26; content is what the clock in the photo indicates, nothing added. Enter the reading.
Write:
7:55:51
